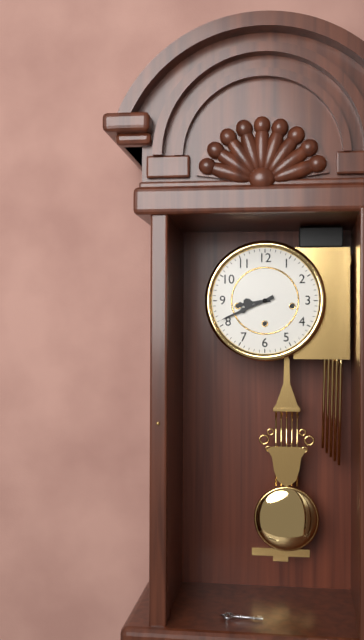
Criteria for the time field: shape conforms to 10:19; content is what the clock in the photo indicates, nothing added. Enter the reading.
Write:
8:41
